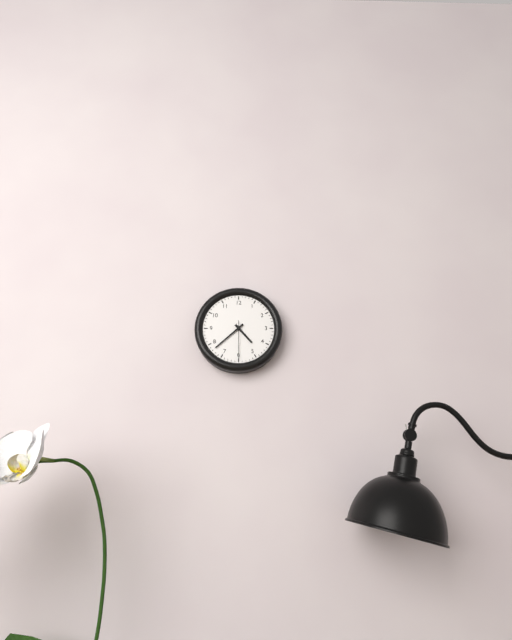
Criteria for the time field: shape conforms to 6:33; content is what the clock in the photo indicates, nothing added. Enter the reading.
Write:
4:38
